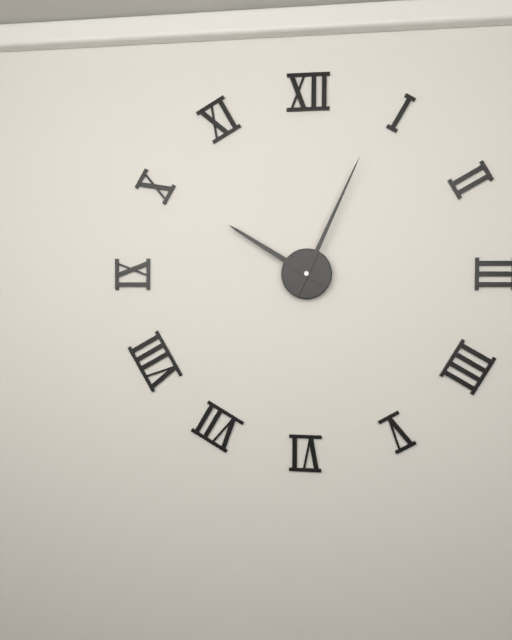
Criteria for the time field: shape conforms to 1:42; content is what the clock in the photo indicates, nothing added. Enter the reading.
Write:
10:04
